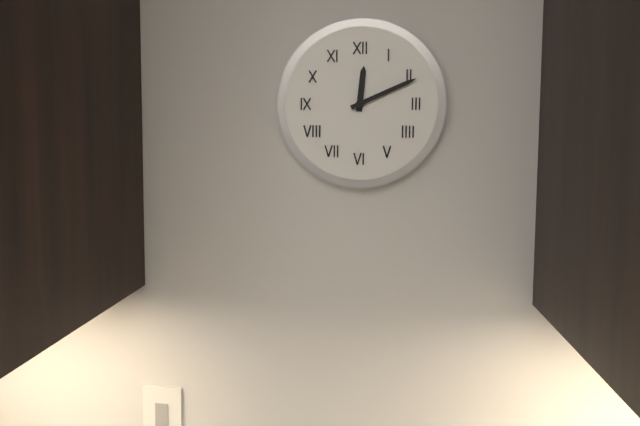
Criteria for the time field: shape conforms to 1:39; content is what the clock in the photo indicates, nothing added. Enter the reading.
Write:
12:11
